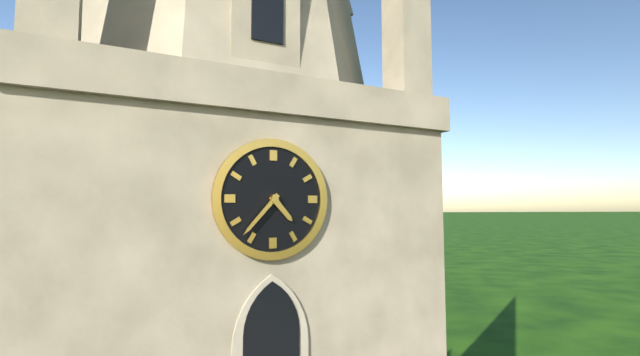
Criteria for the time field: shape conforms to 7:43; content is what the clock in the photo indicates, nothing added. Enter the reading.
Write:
4:37
